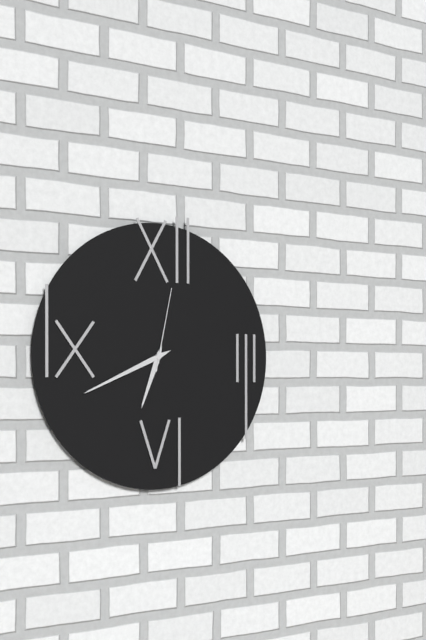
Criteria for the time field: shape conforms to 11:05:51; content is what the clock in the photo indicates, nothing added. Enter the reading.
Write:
6:41:02
